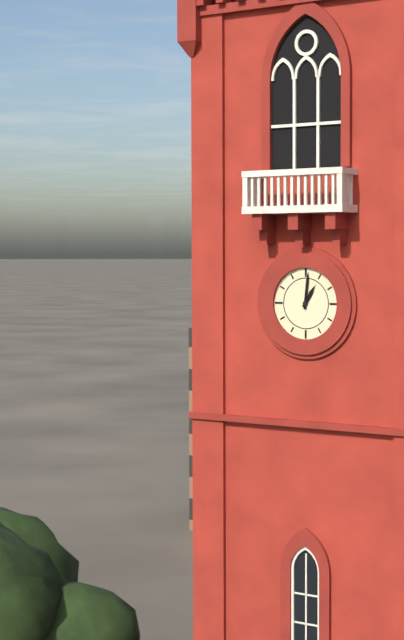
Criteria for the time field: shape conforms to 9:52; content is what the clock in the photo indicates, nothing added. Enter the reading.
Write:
1:01
